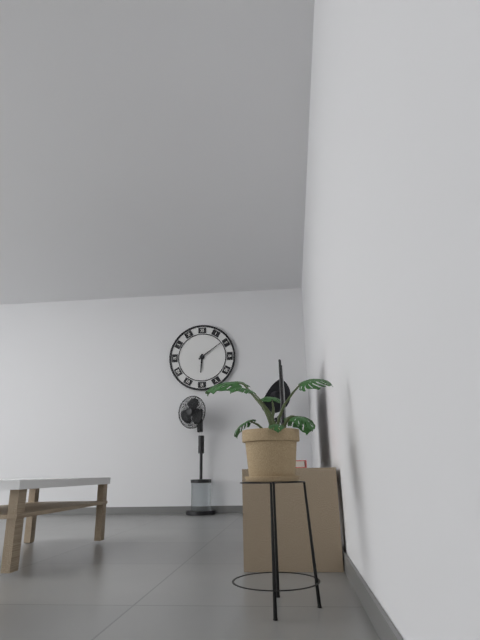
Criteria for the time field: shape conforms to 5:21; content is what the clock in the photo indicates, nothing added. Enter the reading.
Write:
6:09
